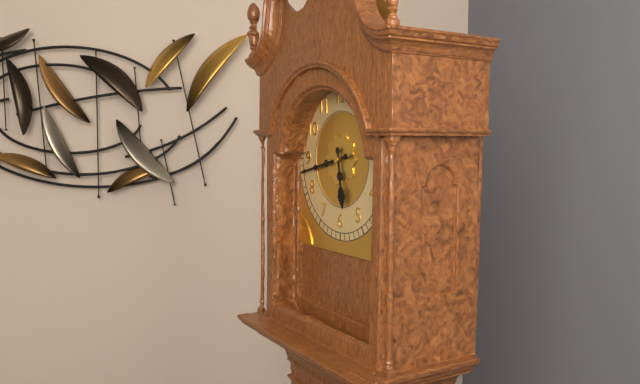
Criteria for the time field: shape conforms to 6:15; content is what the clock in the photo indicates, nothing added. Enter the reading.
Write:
5:43
